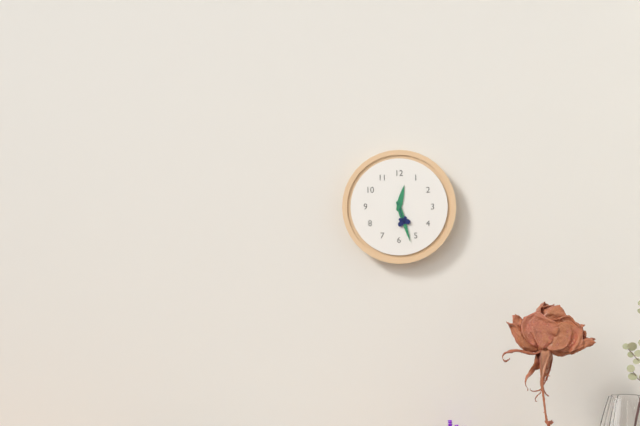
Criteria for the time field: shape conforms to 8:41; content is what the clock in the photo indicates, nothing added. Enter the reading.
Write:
12:27
